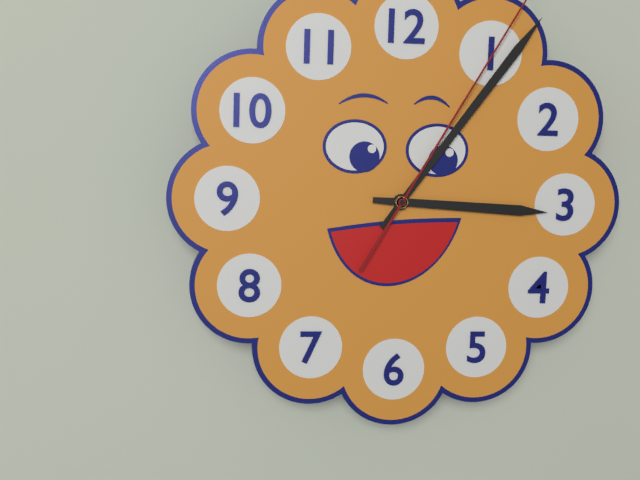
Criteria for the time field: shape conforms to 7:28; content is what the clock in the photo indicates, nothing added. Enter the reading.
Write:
3:06
